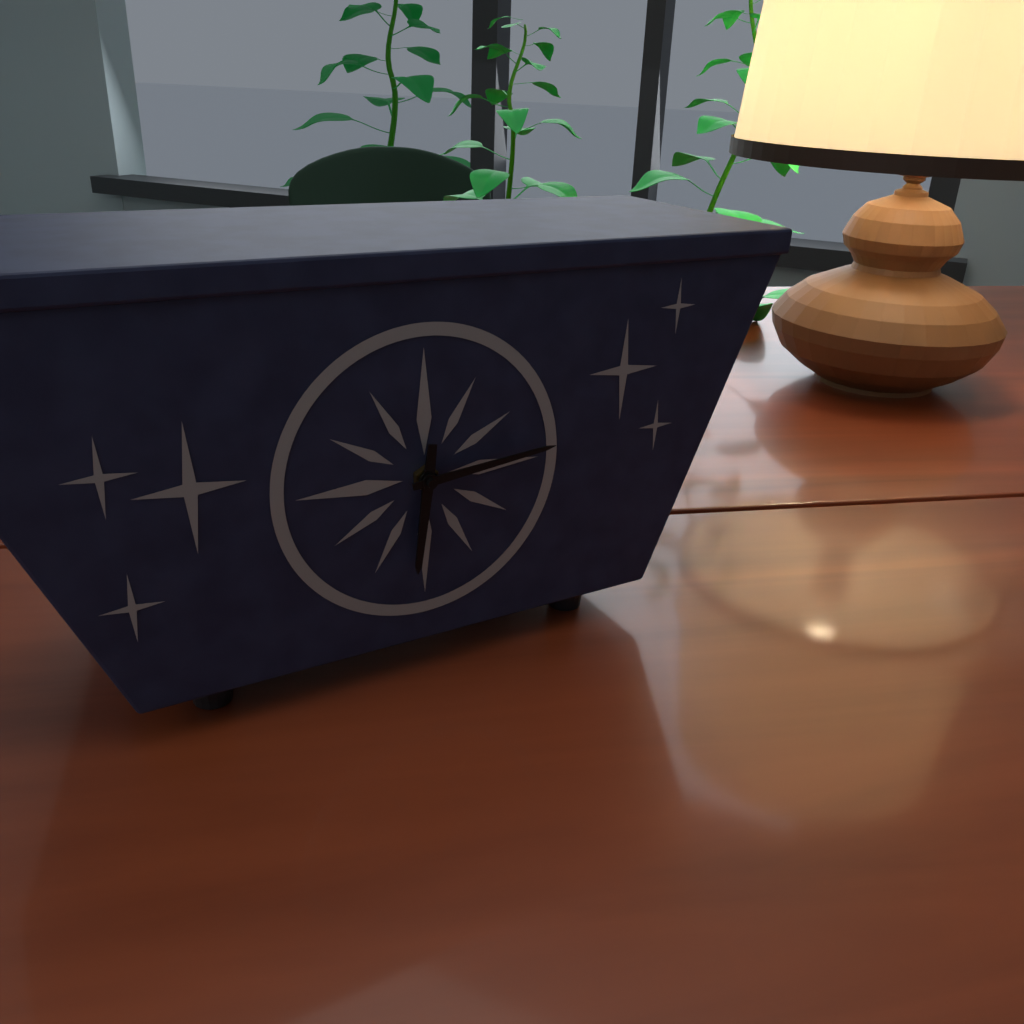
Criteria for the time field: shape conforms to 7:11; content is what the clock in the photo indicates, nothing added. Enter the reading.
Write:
6:14
